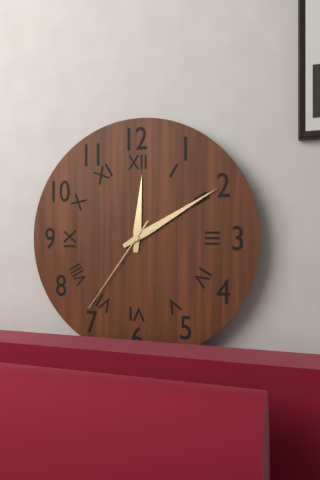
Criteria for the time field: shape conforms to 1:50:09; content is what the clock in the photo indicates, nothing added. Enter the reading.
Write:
12:10:36
